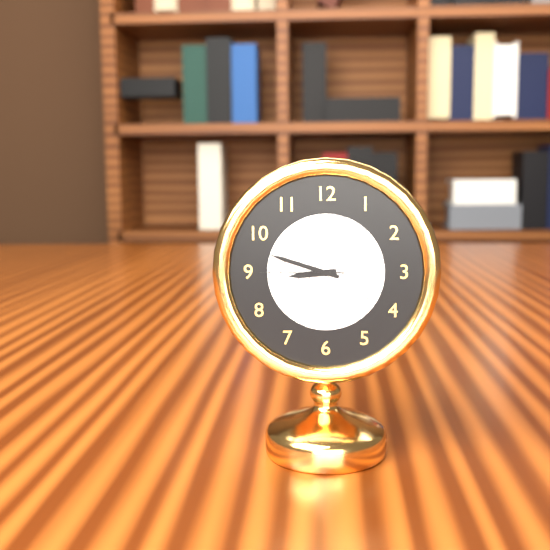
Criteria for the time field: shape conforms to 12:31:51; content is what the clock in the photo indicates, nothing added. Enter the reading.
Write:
8:48:45
